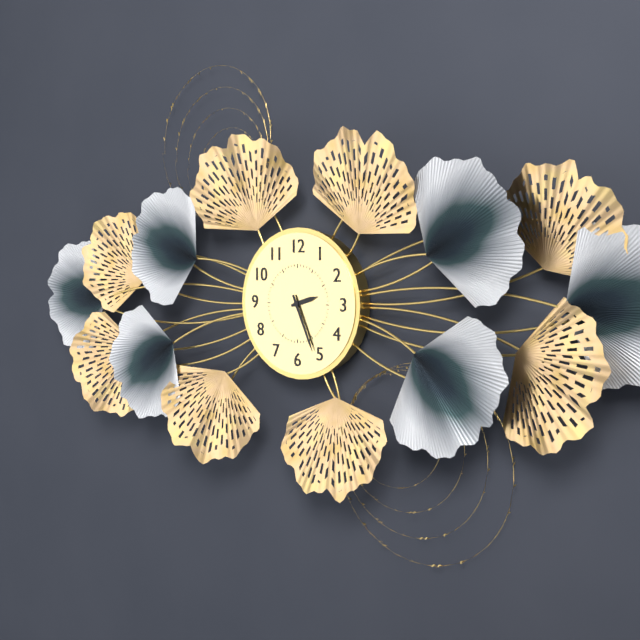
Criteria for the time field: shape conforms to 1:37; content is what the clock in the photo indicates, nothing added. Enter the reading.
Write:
2:26
